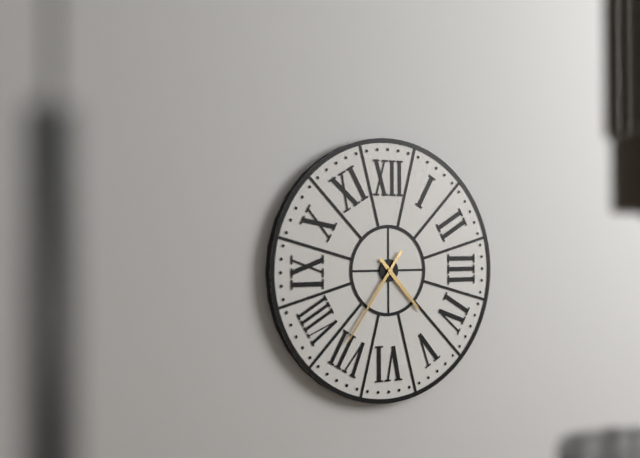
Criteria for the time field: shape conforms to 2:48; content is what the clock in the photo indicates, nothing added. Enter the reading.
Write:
4:36
